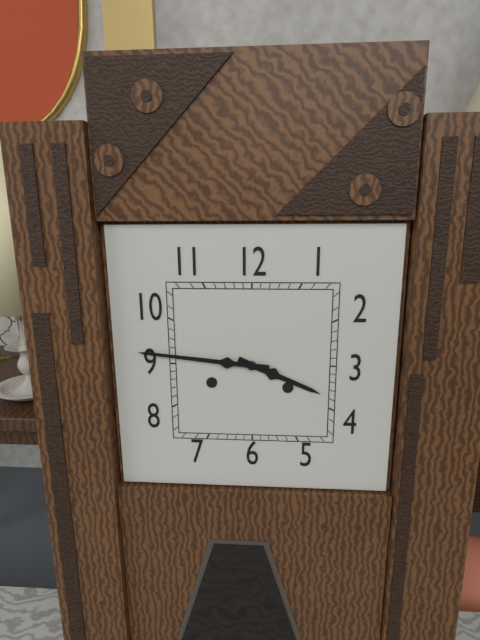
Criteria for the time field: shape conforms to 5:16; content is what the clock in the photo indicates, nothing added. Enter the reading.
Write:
3:46
